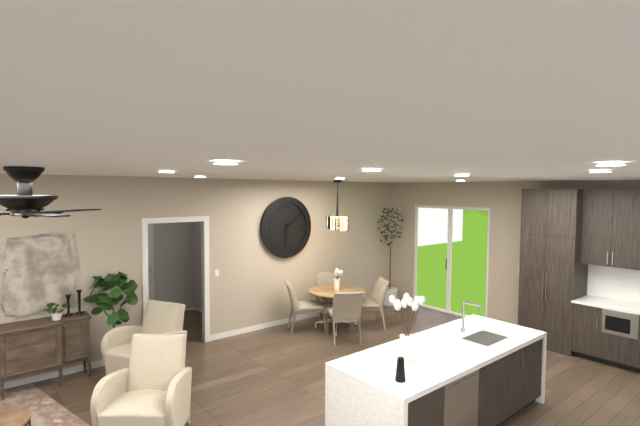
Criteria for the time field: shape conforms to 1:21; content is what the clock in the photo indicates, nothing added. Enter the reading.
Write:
6:09
